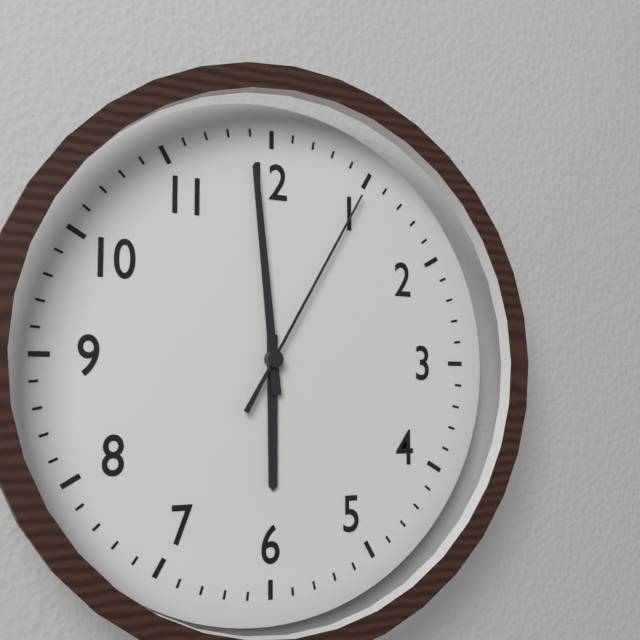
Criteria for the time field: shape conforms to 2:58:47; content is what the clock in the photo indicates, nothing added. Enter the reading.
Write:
5:59:05
